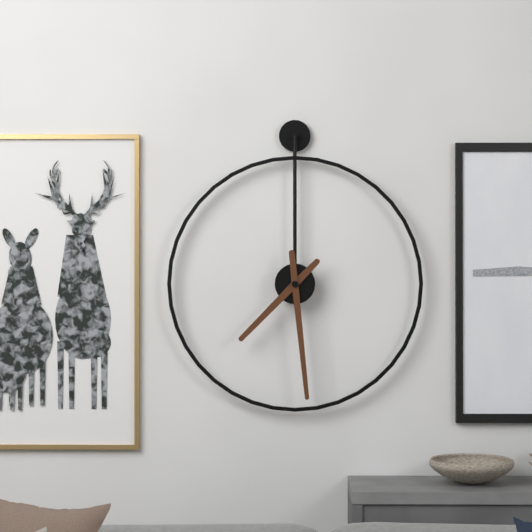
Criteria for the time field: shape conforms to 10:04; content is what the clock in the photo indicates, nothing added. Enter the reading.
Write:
7:29
